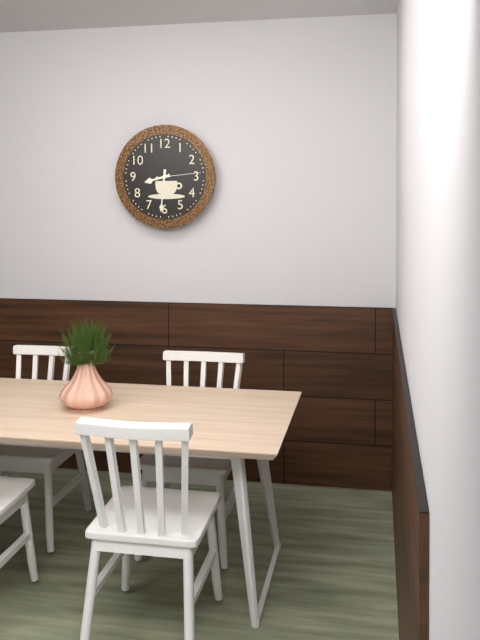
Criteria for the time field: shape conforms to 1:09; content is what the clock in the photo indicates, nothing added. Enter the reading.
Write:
8:31
